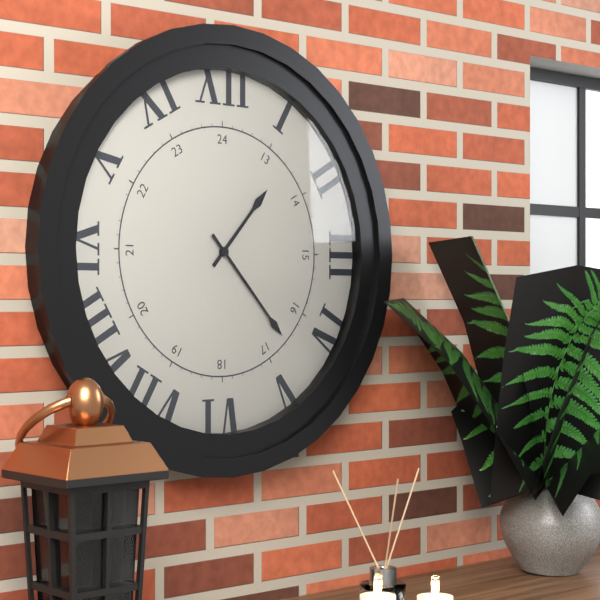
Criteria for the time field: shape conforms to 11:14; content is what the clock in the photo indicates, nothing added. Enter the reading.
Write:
1:23
